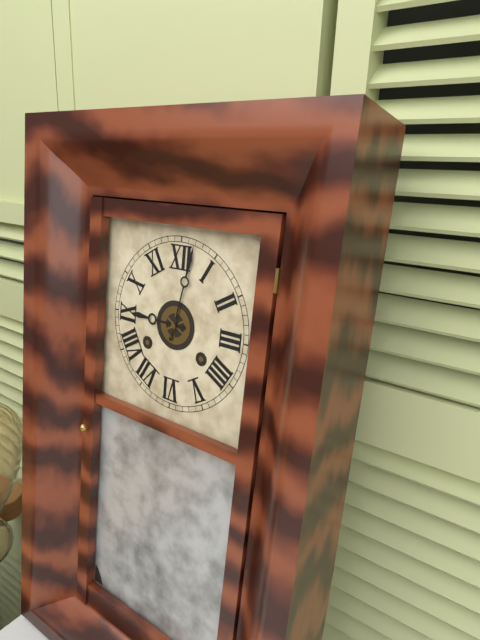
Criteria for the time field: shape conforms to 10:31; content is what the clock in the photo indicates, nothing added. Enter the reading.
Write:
9:02
